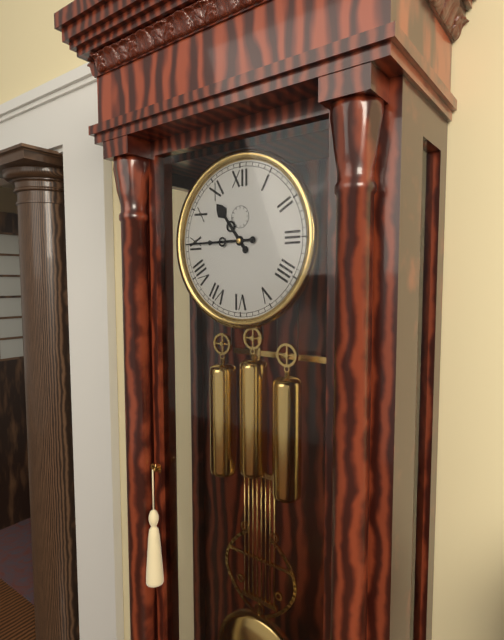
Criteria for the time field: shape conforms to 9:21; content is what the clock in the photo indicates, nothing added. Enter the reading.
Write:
10:45
